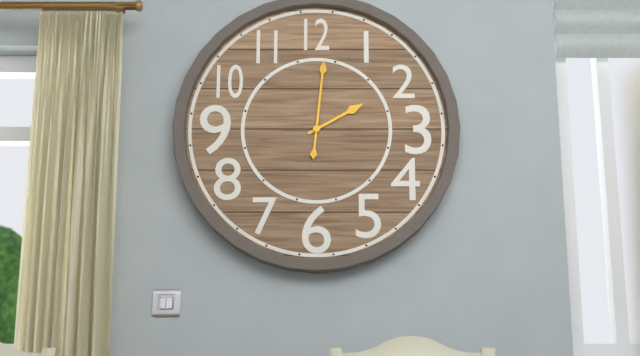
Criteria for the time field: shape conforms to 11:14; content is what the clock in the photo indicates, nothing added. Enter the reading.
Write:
2:01
